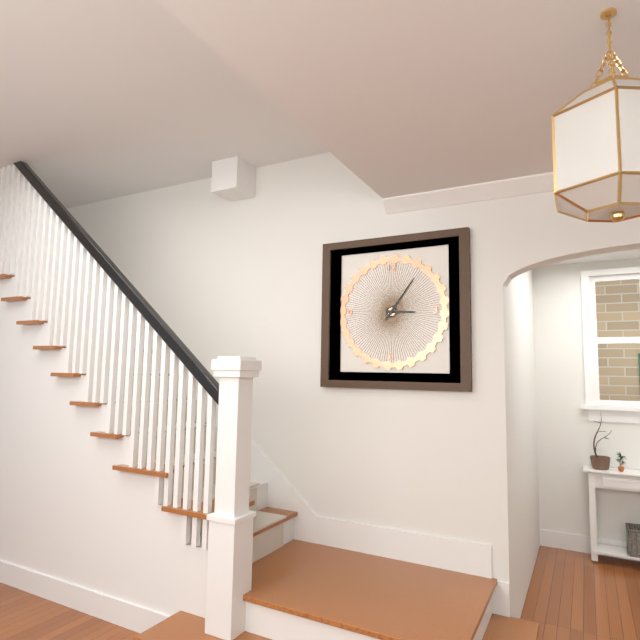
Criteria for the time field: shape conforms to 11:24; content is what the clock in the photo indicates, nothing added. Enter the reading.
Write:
3:06
